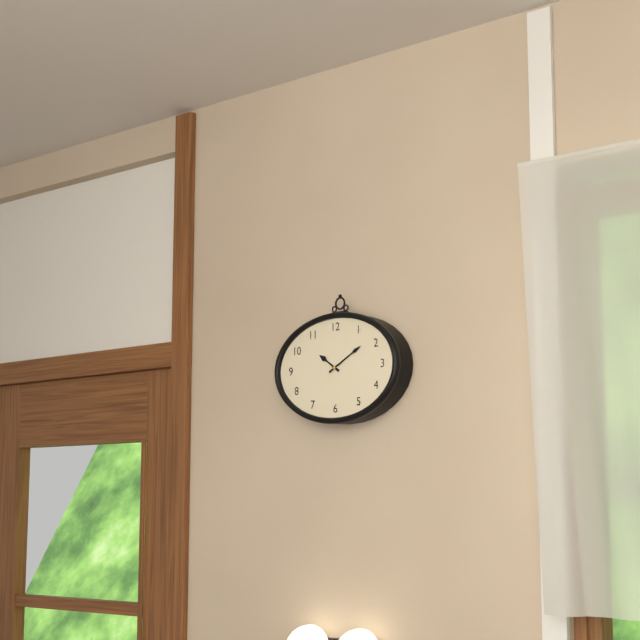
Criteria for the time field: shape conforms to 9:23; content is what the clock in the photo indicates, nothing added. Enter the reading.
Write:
10:10
